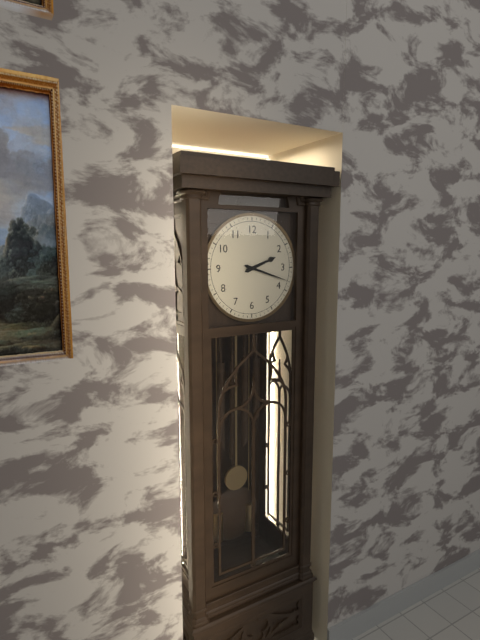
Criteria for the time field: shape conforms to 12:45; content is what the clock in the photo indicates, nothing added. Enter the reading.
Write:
2:18
